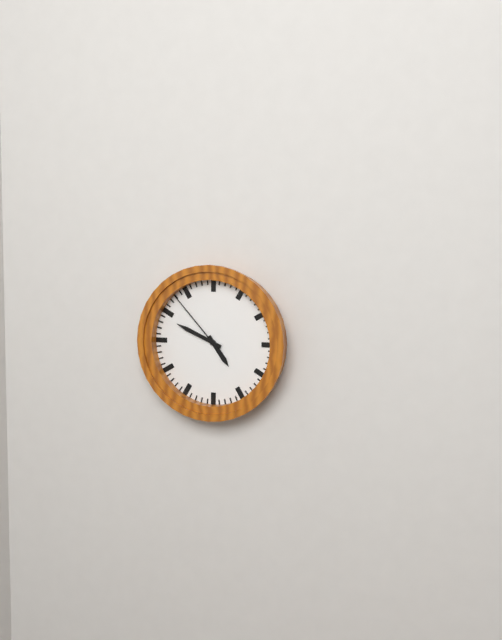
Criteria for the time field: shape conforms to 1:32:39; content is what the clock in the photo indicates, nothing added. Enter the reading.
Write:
4:49:53
